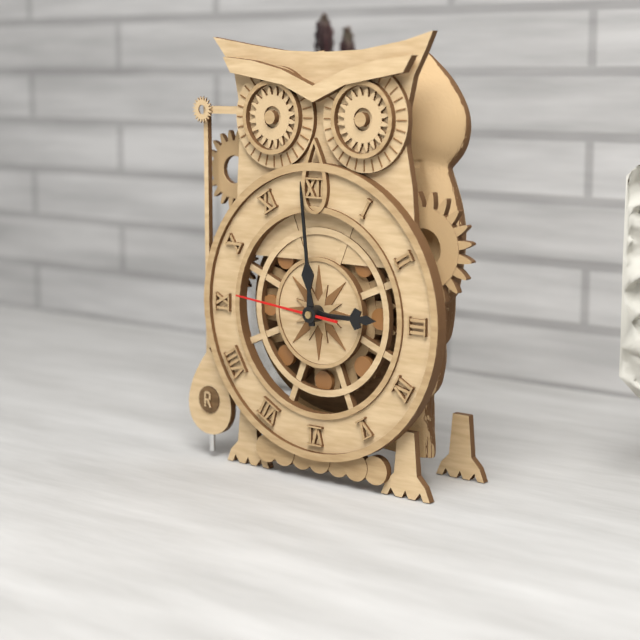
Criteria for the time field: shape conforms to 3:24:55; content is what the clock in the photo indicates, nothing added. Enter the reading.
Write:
2:59:46
